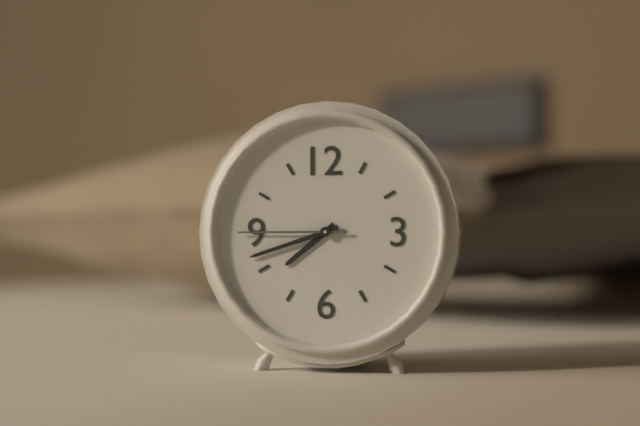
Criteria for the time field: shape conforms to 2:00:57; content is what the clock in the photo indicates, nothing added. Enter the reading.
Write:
7:42:45
